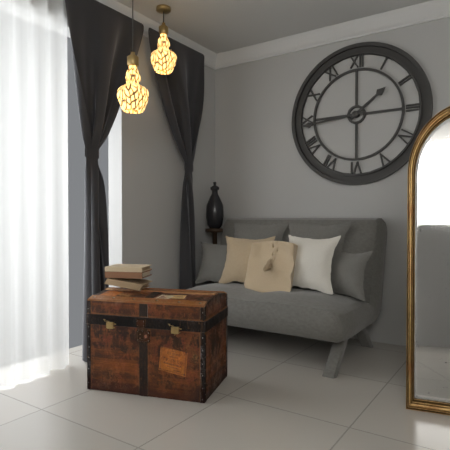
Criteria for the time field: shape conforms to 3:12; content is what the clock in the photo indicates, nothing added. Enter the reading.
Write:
1:44
